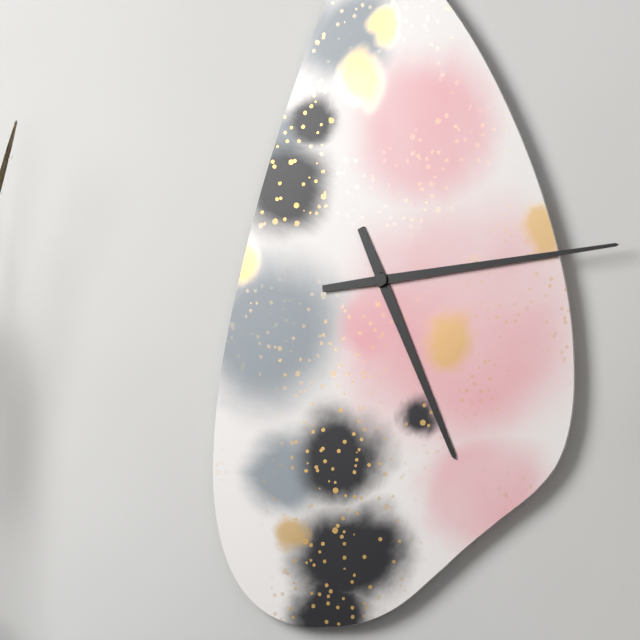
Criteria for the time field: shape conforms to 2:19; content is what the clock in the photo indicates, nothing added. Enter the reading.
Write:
5:14
